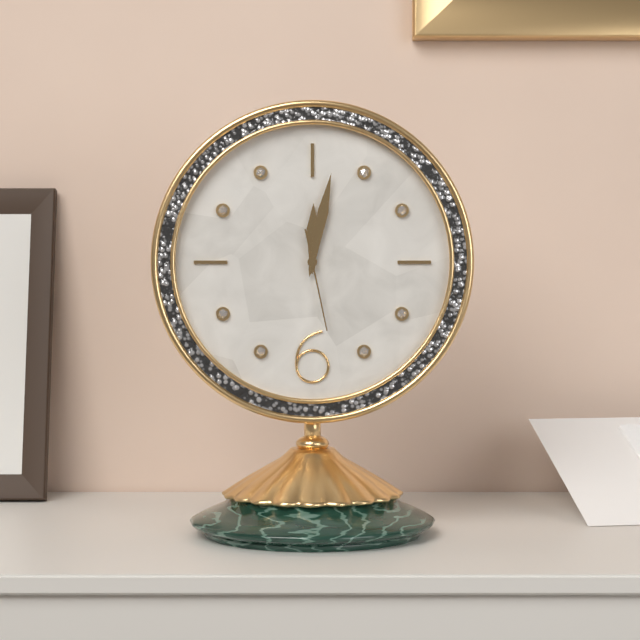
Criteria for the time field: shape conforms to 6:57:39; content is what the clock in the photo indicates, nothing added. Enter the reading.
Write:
12:02:28
